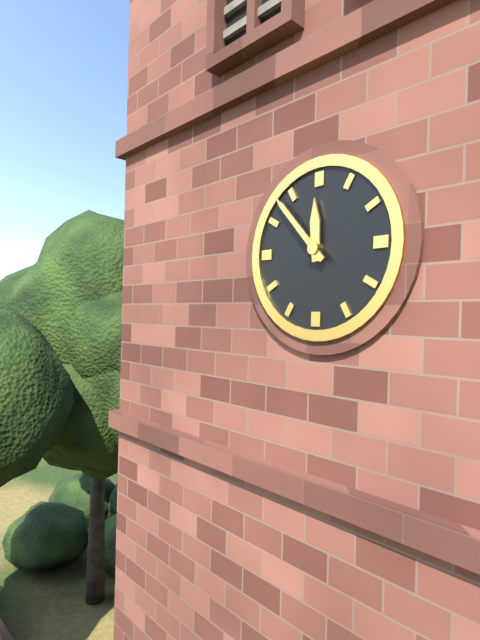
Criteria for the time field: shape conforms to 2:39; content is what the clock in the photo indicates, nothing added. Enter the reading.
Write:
11:53
